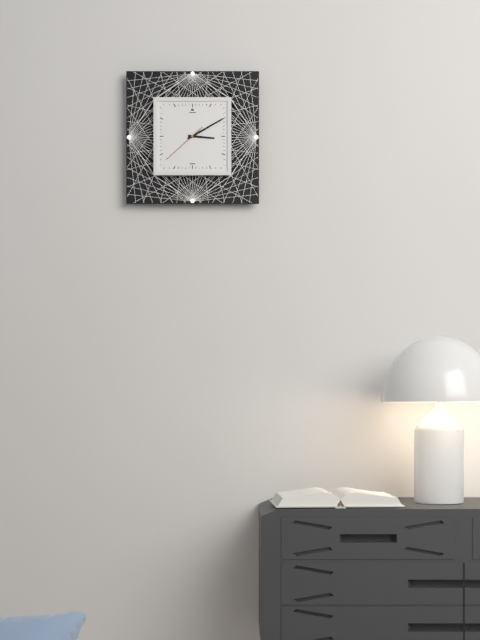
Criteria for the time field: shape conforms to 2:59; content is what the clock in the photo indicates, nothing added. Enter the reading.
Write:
3:10
